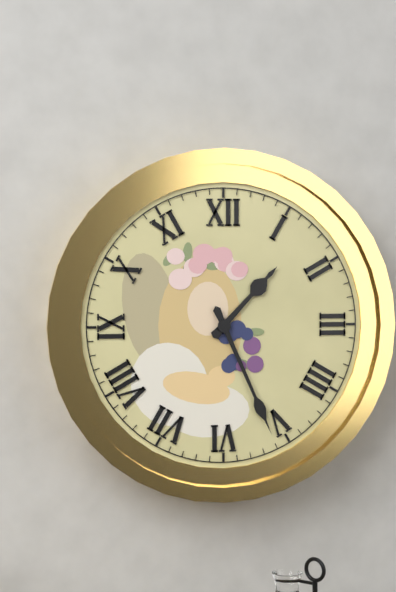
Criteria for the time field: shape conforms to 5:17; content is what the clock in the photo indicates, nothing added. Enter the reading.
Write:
1:26
